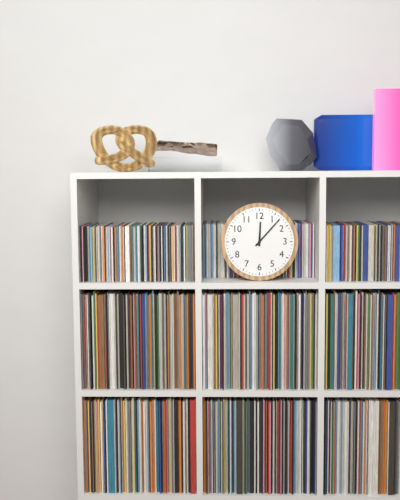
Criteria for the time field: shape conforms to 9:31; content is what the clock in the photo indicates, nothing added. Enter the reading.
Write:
12:07
